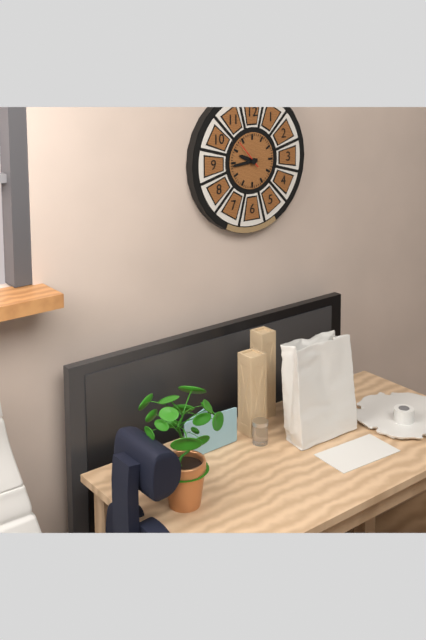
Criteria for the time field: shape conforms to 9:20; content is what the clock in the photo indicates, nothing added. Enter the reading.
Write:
9:44
